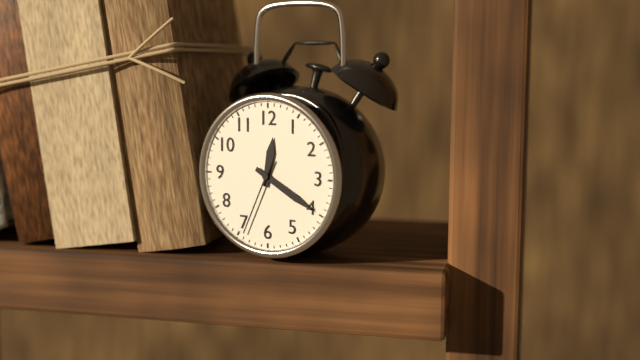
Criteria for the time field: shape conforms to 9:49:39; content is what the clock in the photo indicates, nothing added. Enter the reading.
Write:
12:20:34
